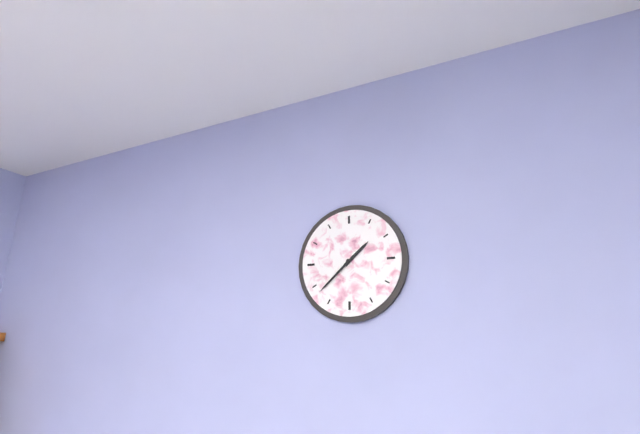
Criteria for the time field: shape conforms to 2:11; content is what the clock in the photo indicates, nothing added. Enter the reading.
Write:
1:38
